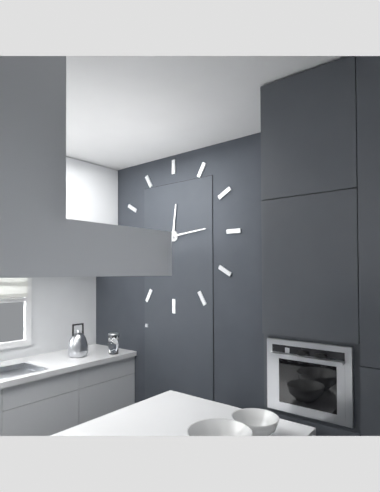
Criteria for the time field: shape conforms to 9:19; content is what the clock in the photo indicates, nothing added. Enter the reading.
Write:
12:14
